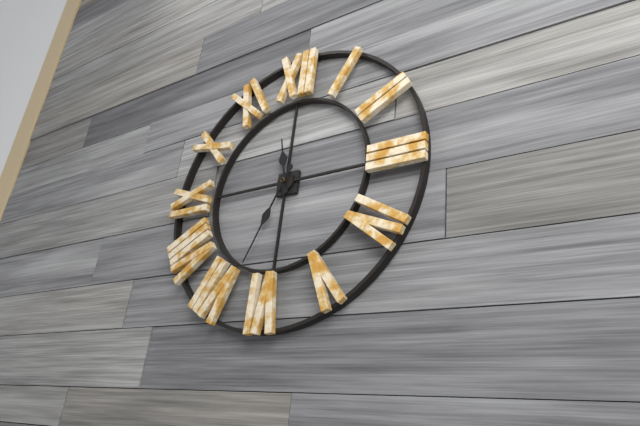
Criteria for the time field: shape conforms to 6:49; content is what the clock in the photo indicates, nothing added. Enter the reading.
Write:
11:34
